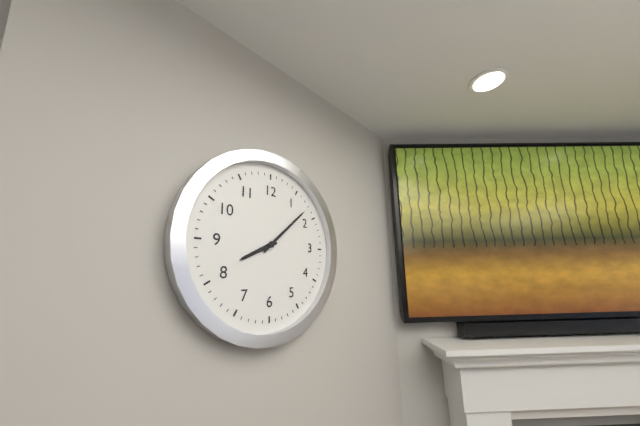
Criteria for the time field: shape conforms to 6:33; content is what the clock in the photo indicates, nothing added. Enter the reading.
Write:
8:08
